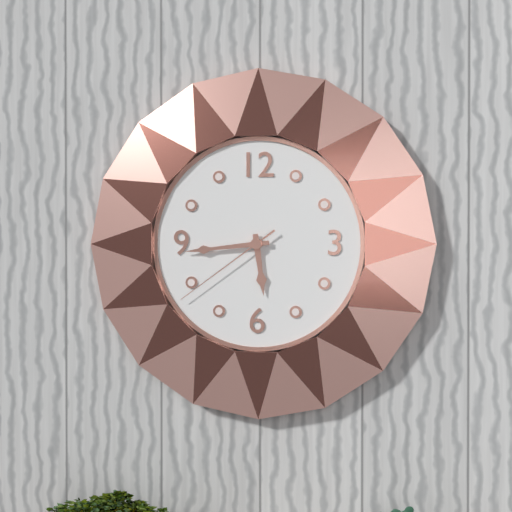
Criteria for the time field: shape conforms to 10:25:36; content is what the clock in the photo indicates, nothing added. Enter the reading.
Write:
5:44:39
